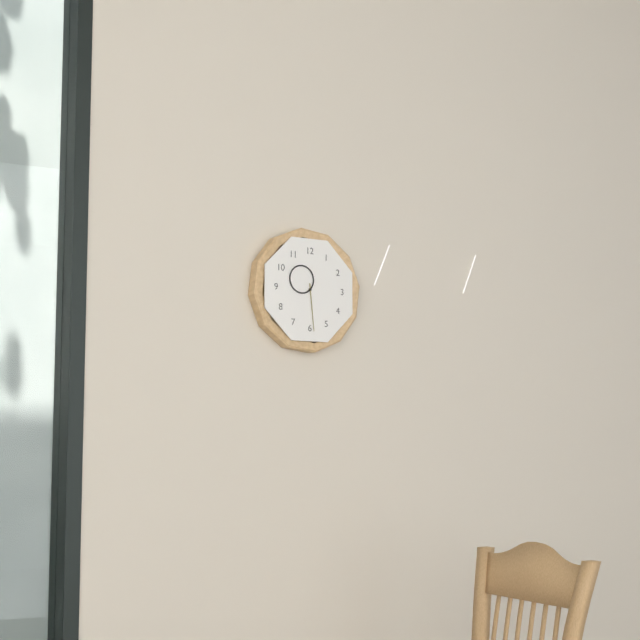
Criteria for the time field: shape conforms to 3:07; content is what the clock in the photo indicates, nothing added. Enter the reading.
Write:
10:29
